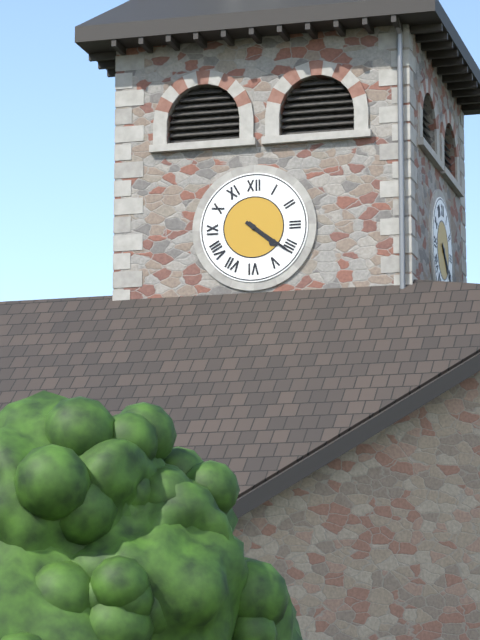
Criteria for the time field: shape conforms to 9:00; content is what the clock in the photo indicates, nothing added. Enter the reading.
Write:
4:21
